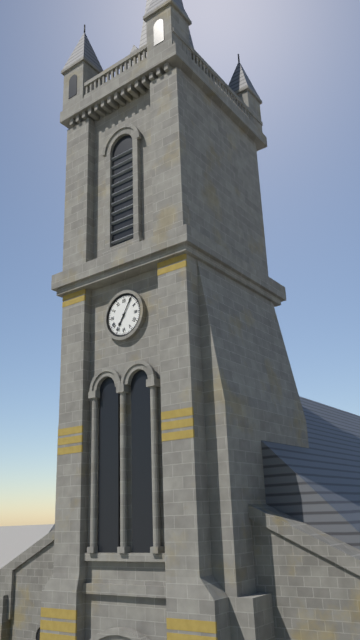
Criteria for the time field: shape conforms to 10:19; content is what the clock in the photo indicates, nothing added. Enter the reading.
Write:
7:05
